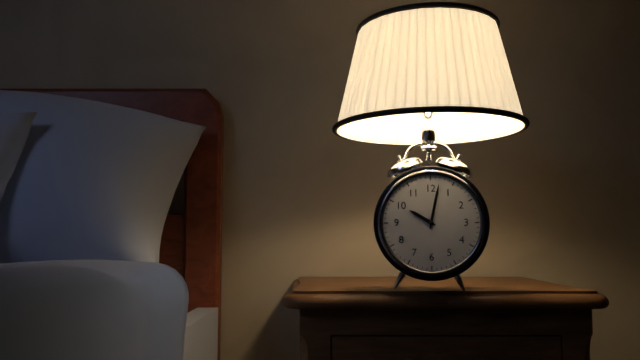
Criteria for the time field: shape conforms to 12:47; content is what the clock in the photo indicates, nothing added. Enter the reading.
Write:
10:02
